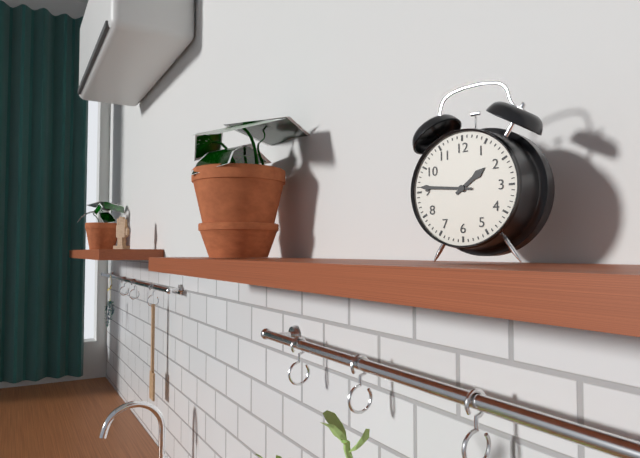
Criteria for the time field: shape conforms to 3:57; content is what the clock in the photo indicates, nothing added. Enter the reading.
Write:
1:46
